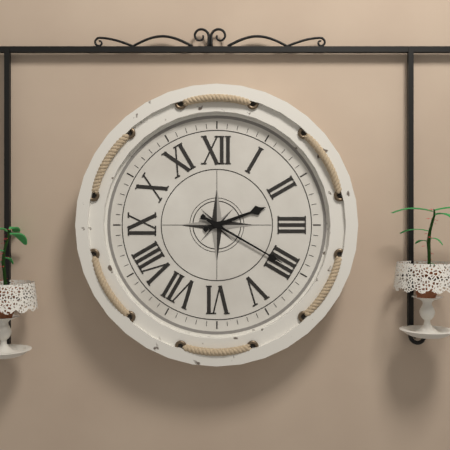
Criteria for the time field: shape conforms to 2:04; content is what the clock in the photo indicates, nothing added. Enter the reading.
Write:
2:20
